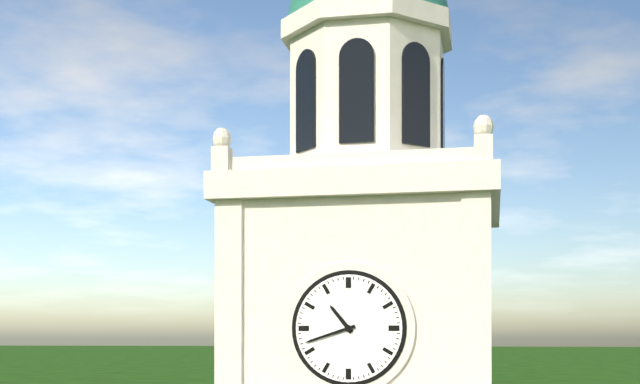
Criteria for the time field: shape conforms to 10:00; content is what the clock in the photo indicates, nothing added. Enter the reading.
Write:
10:42
